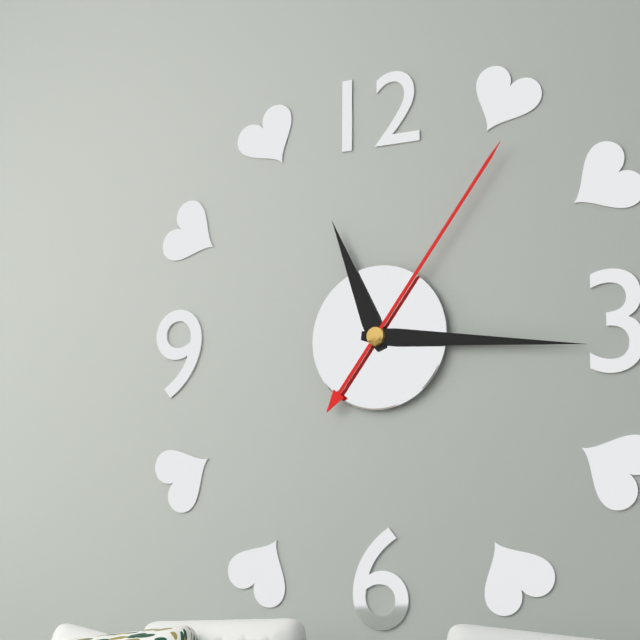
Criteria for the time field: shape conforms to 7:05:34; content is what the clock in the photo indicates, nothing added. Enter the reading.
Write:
11:16:06
